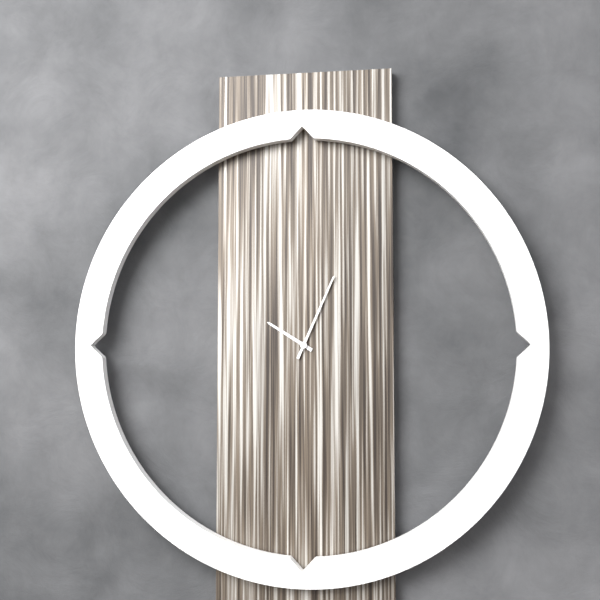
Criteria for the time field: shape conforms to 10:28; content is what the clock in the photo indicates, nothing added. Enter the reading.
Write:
10:04
